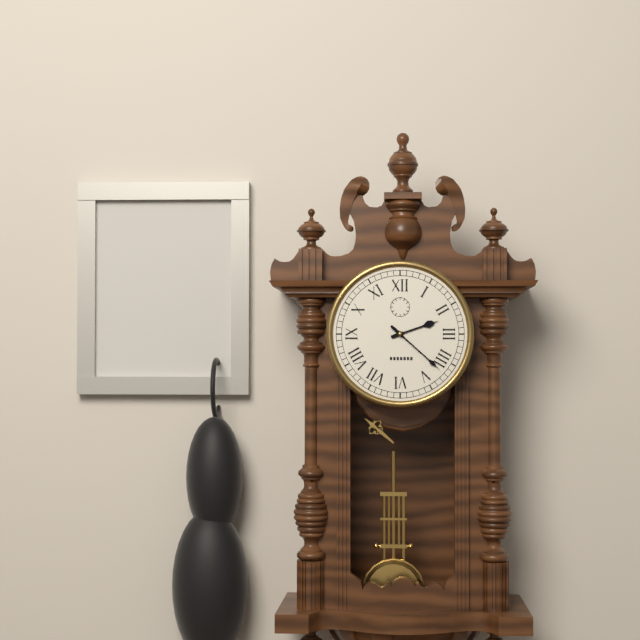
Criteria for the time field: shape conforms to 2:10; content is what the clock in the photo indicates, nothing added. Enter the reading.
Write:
2:22
